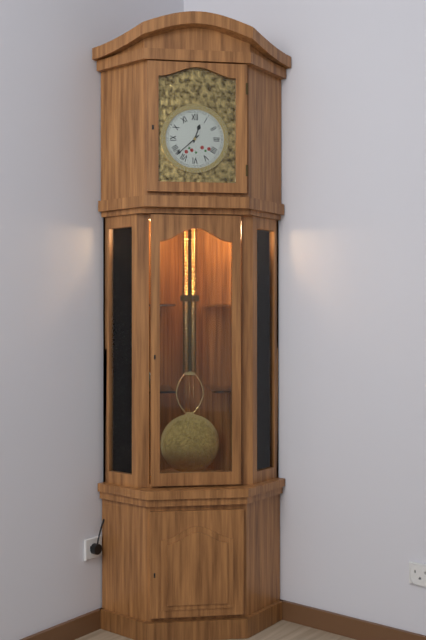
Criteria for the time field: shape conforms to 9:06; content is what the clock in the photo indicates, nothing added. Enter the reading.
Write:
12:38
